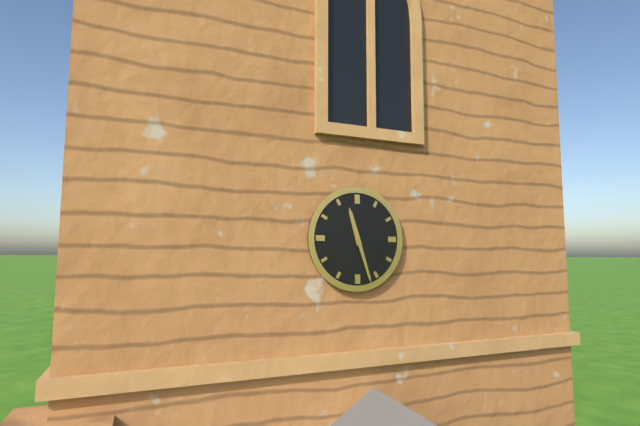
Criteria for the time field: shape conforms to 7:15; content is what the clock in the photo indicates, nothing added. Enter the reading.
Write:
11:27
